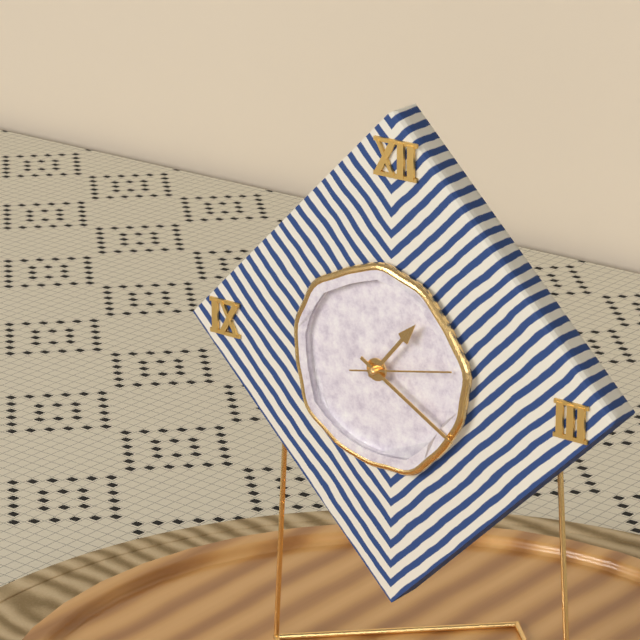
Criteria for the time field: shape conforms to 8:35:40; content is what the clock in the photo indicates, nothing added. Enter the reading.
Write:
1:20:13
